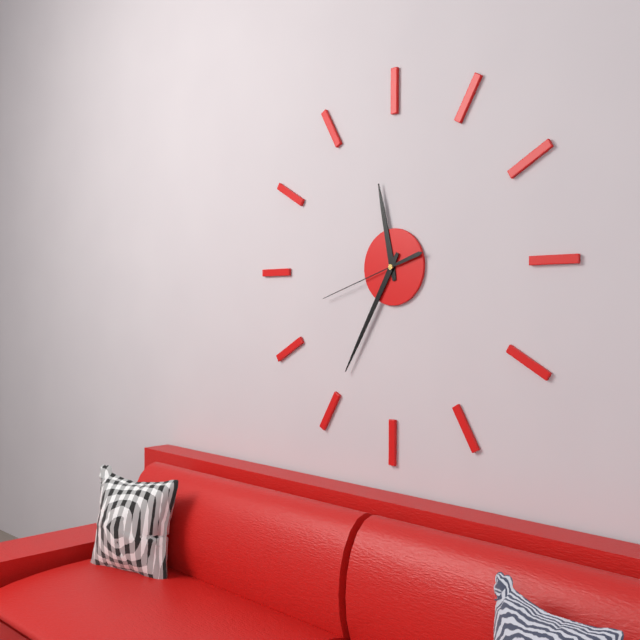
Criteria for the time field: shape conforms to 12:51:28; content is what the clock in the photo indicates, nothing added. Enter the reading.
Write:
11:35:42
